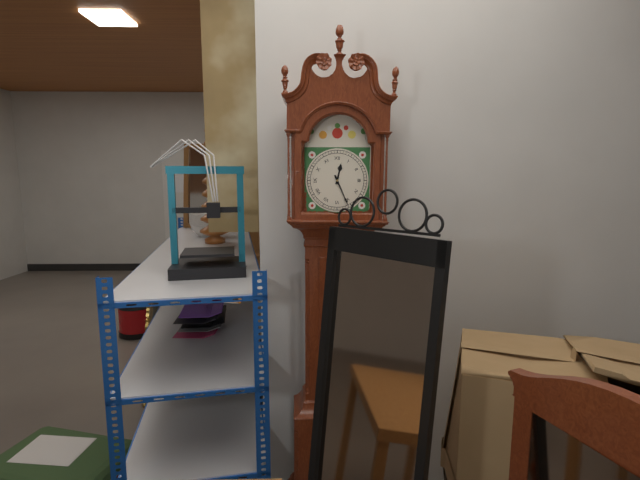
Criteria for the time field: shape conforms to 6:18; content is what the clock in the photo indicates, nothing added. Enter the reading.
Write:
12:26
